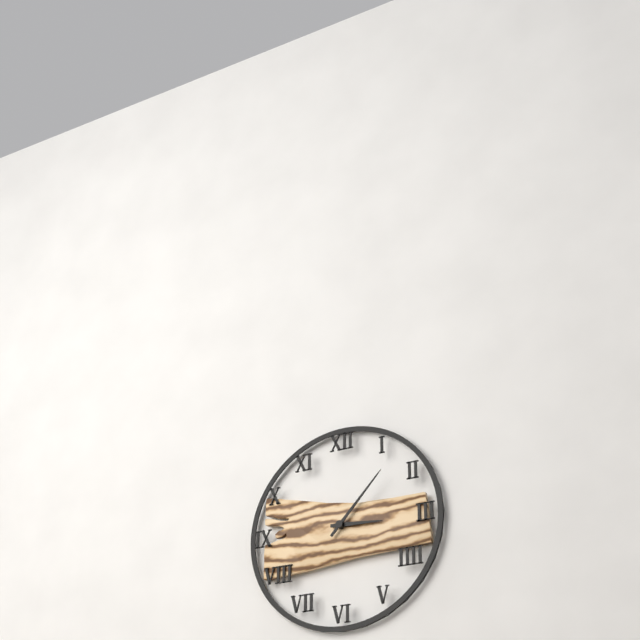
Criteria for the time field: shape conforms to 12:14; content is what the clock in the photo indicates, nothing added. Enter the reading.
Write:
3:07
